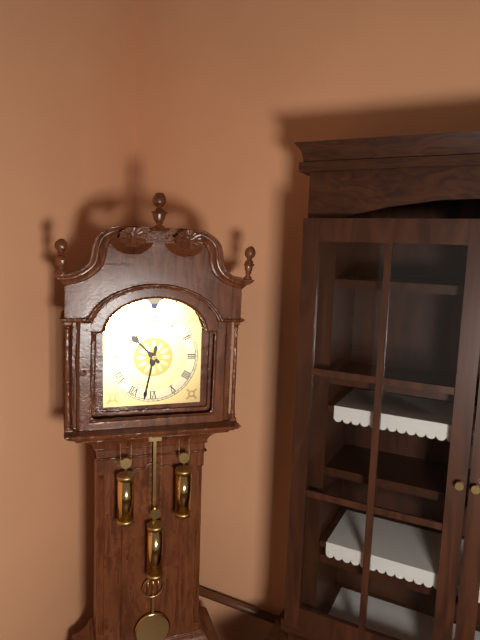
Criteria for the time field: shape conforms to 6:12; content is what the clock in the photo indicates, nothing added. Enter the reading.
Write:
10:32
